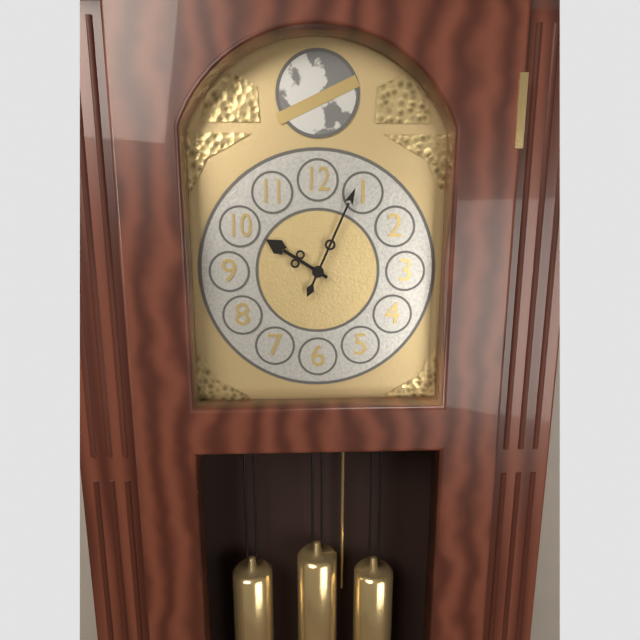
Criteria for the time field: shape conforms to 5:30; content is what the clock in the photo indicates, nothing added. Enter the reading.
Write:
10:04
